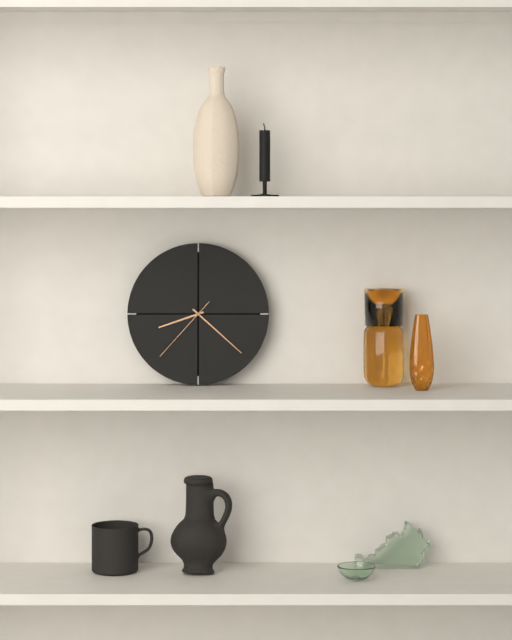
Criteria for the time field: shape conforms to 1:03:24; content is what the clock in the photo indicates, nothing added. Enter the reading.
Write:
8:22:37
